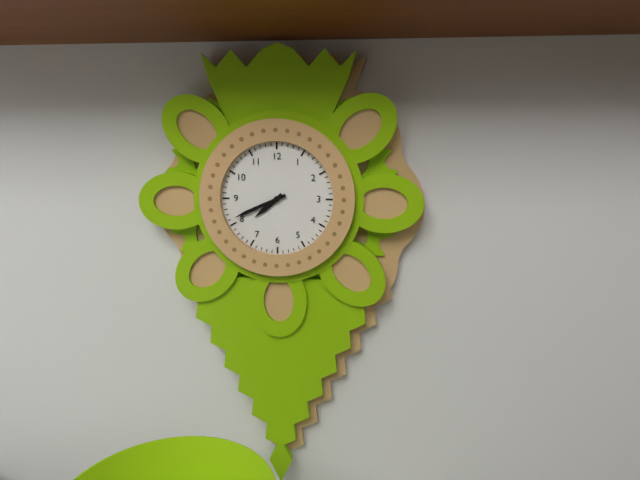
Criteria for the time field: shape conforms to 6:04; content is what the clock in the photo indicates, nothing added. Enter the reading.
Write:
7:41
